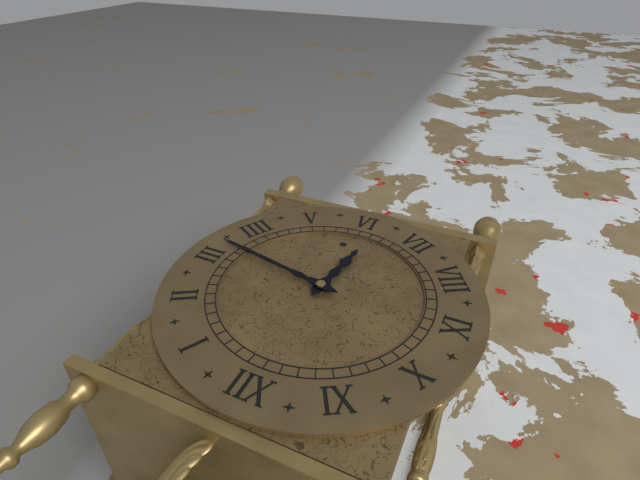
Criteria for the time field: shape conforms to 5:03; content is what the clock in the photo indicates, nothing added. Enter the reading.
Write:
6:17
